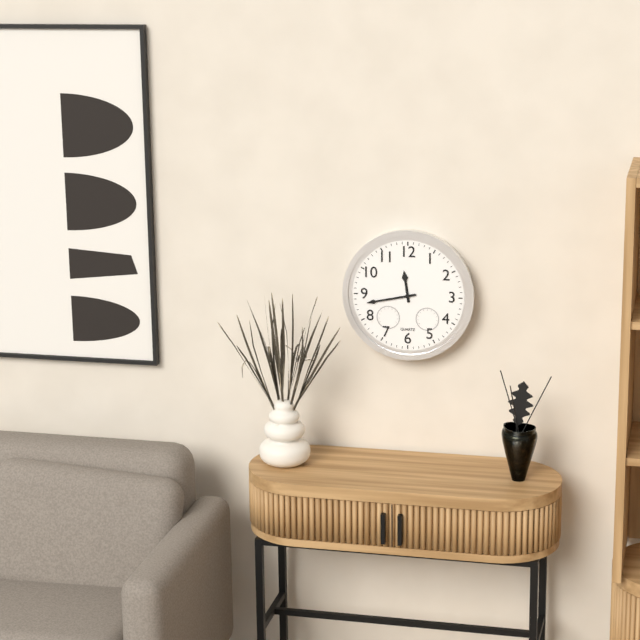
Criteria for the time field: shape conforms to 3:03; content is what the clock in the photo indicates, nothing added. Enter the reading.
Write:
11:43
